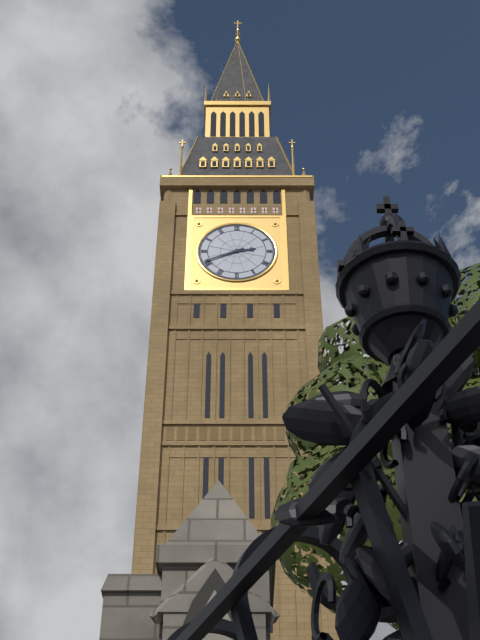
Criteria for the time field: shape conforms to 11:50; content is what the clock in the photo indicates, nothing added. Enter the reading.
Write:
2:41
